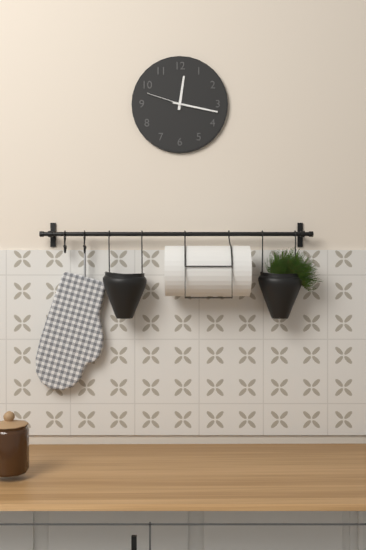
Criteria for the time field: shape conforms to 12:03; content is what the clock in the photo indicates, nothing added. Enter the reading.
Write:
12:17
